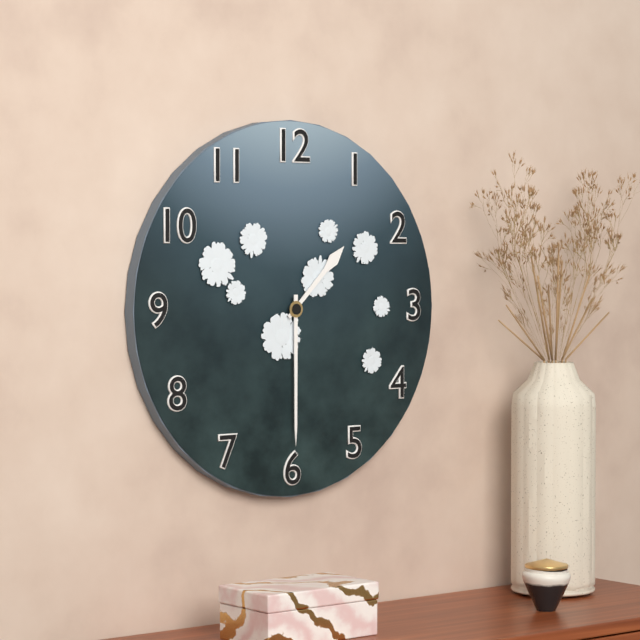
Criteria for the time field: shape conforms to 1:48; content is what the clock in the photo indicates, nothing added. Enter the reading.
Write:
1:30
